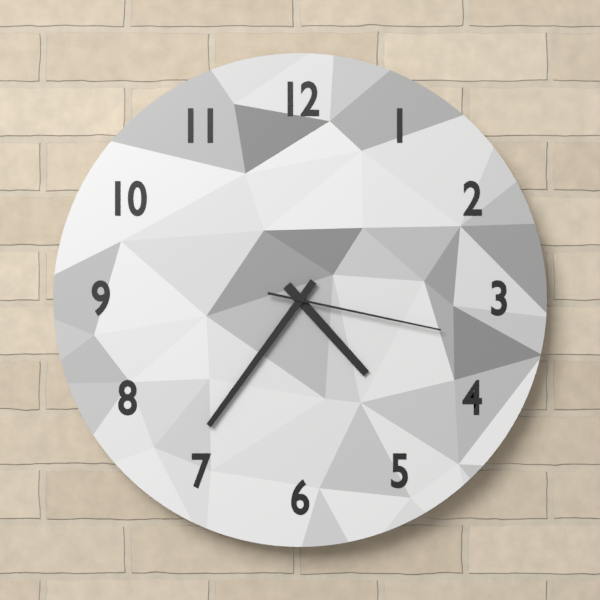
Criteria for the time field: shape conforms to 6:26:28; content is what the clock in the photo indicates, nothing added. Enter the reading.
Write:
4:36:17
